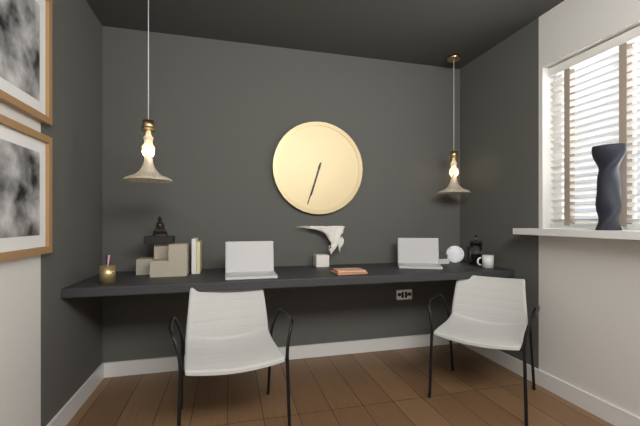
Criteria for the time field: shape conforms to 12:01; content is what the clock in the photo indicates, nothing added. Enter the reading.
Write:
6:33
